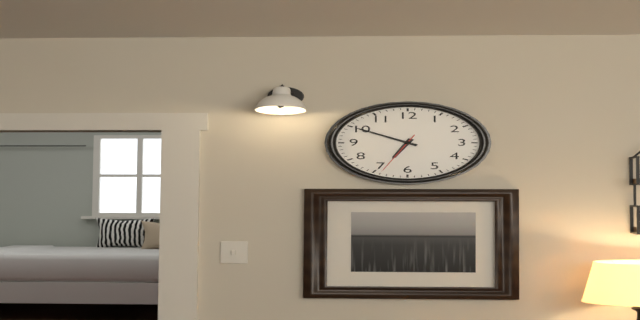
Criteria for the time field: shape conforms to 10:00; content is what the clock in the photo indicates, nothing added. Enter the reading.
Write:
6:50
